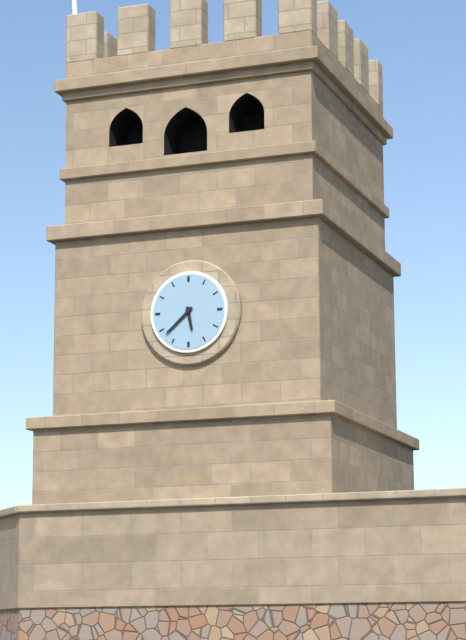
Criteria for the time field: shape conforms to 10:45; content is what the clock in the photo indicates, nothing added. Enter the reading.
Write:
5:38
